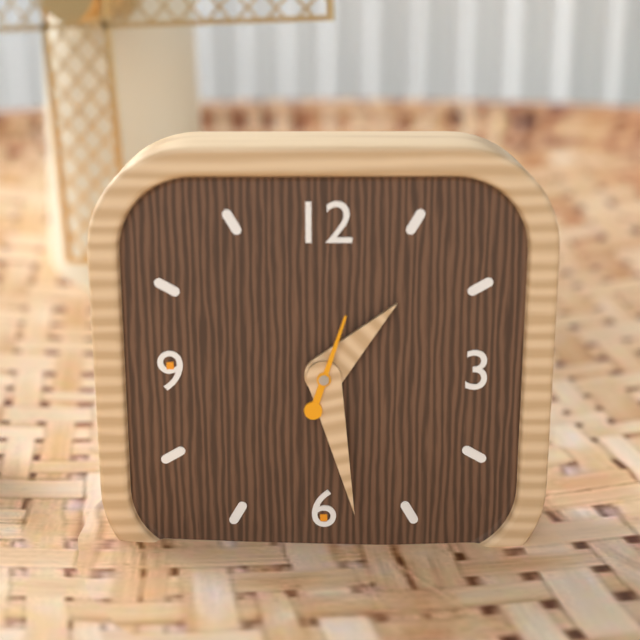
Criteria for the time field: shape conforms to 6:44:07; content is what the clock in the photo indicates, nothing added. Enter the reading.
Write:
1:28:03
